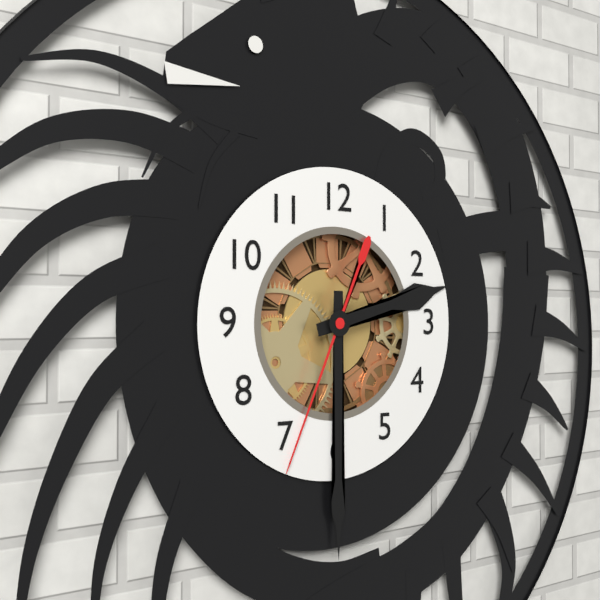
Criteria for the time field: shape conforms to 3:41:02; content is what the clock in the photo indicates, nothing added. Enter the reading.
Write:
2:30:34
